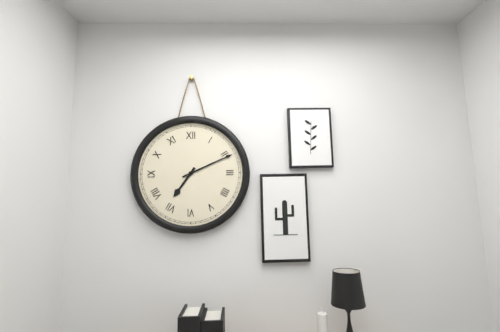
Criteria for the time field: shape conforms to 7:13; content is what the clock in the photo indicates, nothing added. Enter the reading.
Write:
7:11
